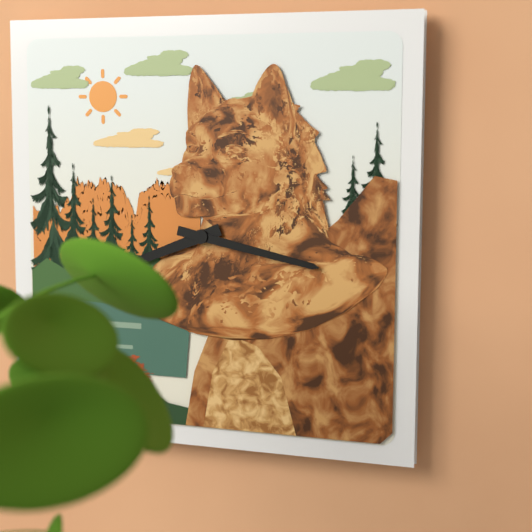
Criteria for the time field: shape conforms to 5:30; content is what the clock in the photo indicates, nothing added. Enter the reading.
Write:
8:17
